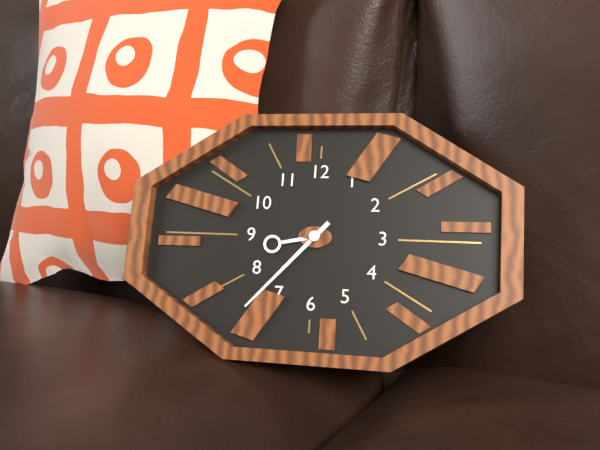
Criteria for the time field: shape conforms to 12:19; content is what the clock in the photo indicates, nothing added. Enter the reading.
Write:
8:37
